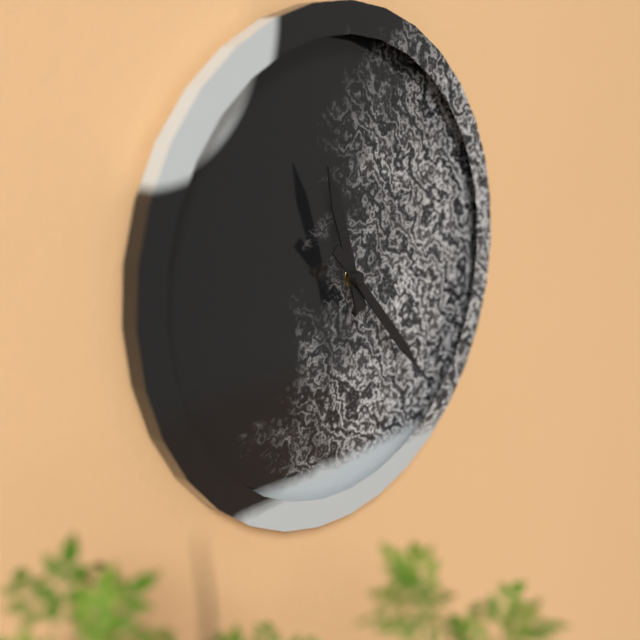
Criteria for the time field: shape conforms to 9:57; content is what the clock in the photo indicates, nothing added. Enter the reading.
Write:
11:23
